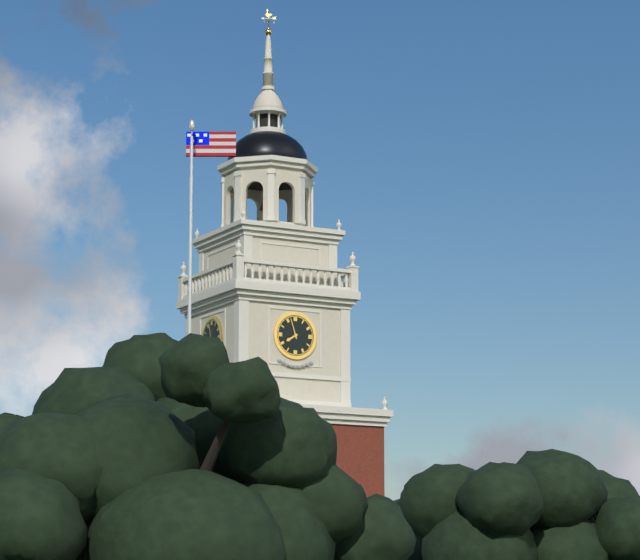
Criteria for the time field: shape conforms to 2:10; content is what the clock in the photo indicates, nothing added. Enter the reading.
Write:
7:57
